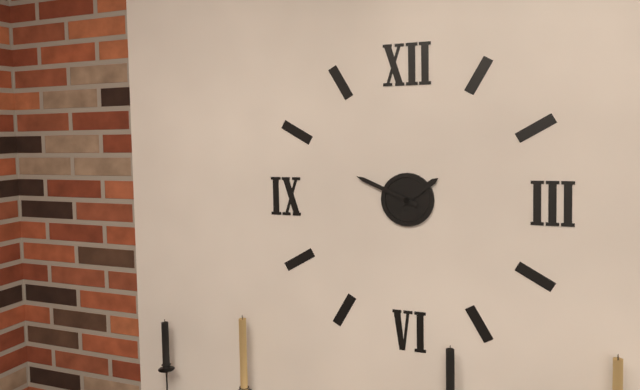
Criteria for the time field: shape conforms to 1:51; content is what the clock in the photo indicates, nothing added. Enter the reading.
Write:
1:49
